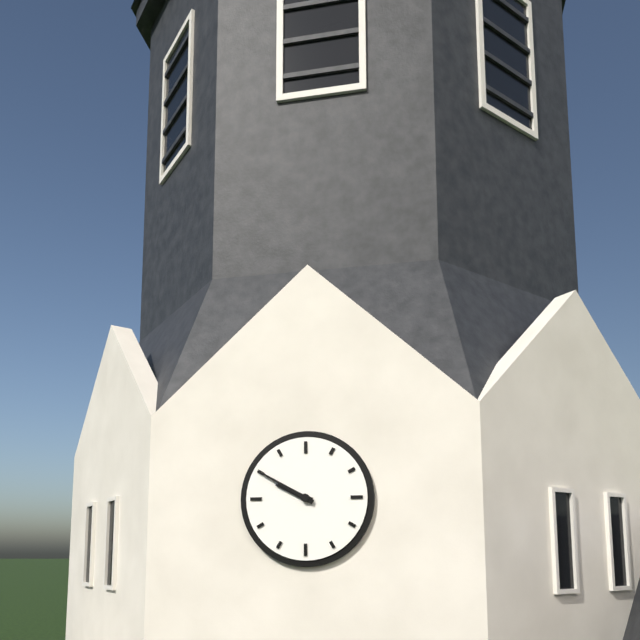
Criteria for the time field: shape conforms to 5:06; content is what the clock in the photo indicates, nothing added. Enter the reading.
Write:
9:50
